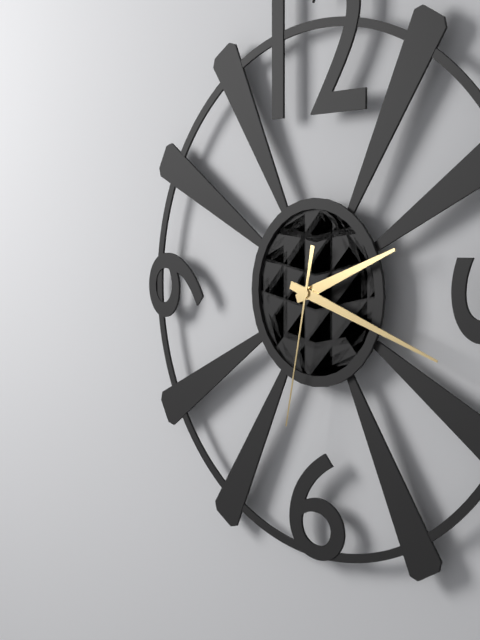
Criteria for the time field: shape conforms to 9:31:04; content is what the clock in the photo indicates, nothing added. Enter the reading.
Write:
2:18:32
